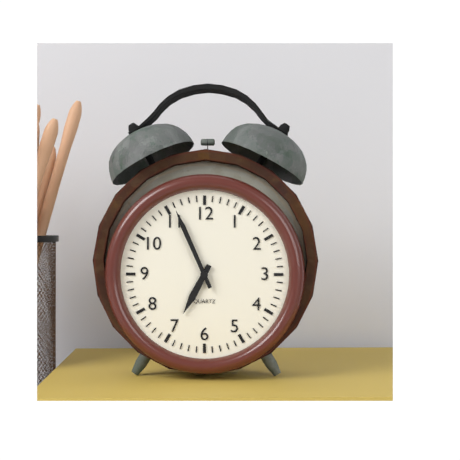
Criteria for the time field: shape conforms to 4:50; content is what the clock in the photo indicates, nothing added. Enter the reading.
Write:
6:56
